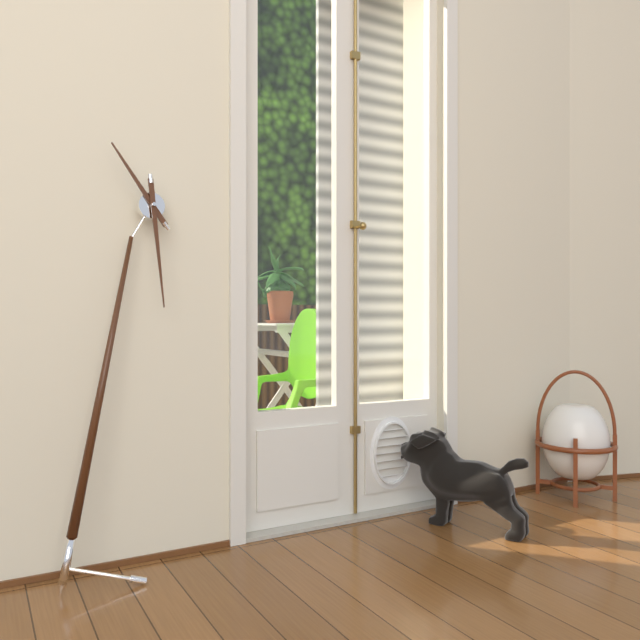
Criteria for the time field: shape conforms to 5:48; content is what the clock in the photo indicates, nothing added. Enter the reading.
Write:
10:27
